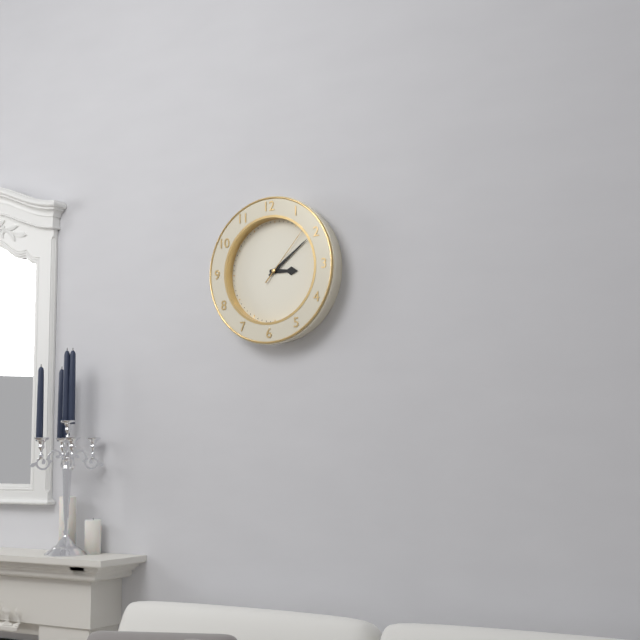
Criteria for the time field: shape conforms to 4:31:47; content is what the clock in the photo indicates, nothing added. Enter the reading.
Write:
3:09:07
